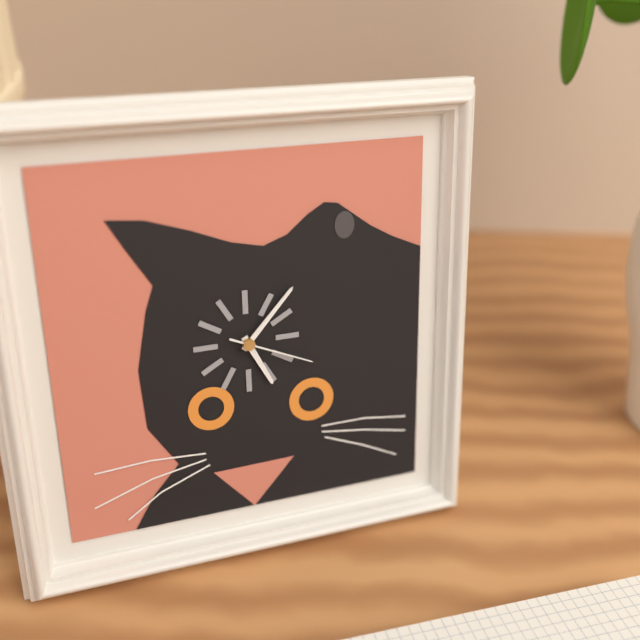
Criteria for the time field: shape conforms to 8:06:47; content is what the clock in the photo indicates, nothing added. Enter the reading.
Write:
5:07:19
